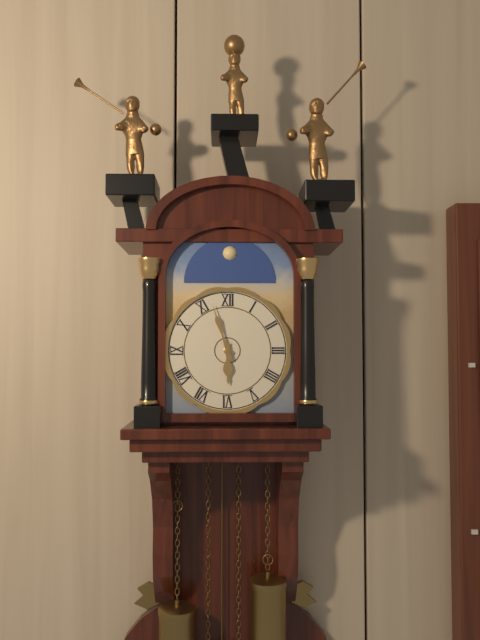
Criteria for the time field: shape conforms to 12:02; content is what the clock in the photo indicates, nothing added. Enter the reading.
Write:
5:57
